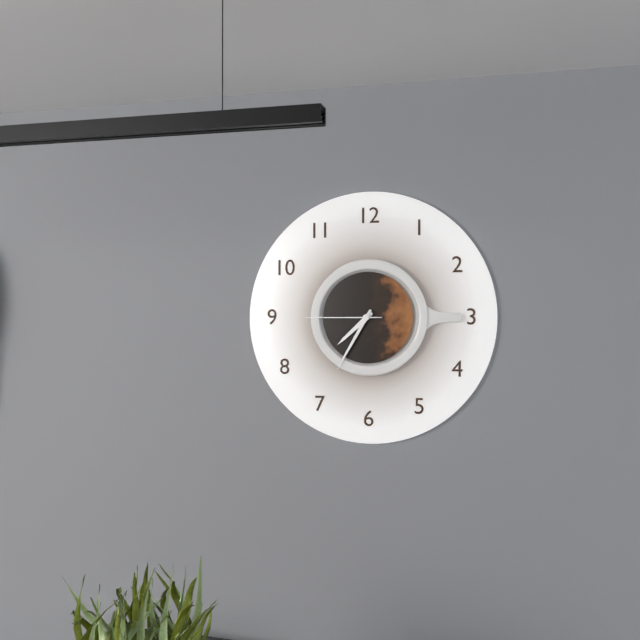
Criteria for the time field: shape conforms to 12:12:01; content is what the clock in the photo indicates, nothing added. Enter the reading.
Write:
7:35:45
